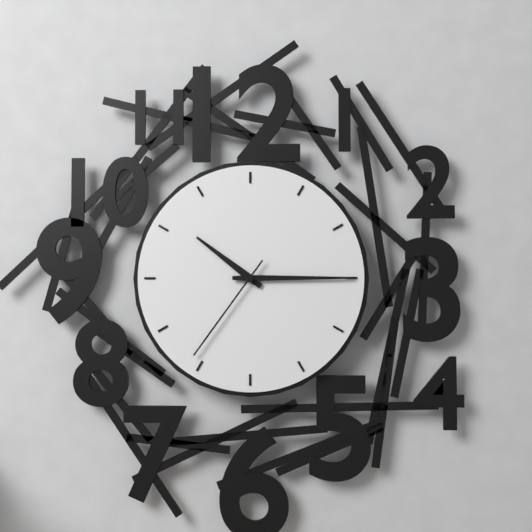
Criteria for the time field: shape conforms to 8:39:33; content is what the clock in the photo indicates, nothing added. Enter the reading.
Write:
10:15:36
